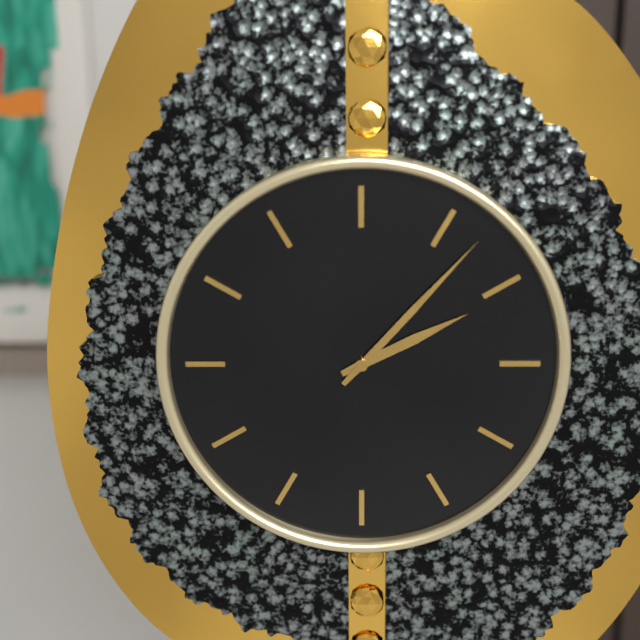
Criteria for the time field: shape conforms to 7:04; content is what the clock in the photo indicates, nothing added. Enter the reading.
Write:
2:07
